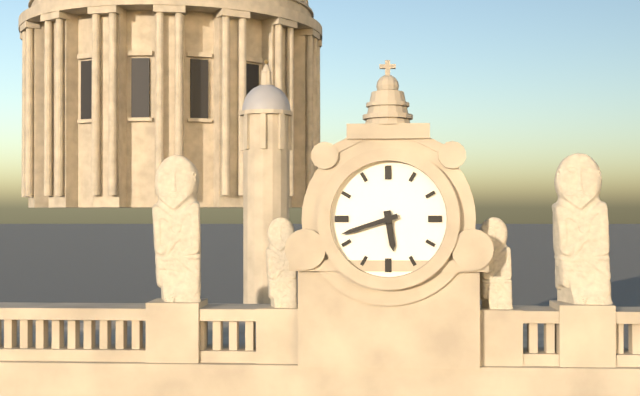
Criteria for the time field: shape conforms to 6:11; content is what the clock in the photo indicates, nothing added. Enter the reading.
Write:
5:42
